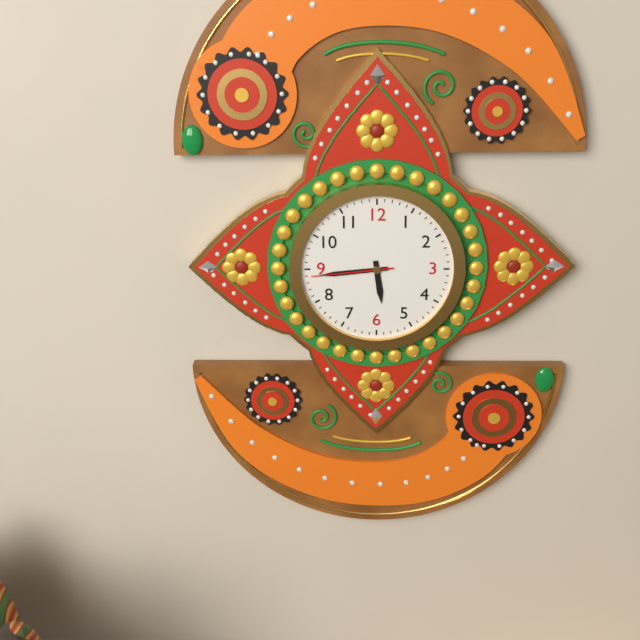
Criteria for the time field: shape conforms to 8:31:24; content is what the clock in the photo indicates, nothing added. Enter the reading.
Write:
5:44:44
